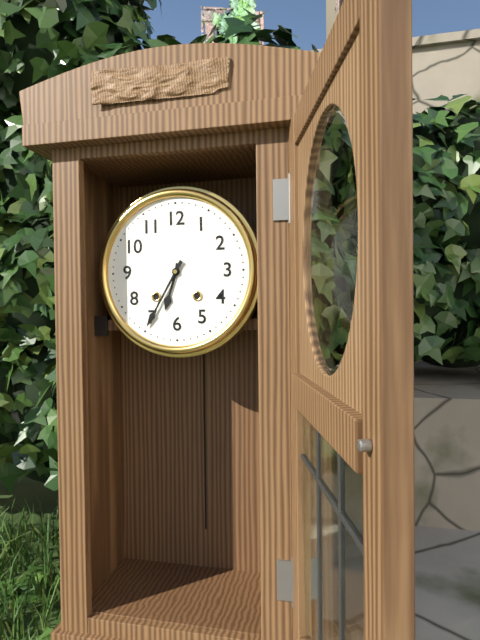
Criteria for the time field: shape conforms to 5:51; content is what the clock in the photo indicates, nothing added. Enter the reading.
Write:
6:35
